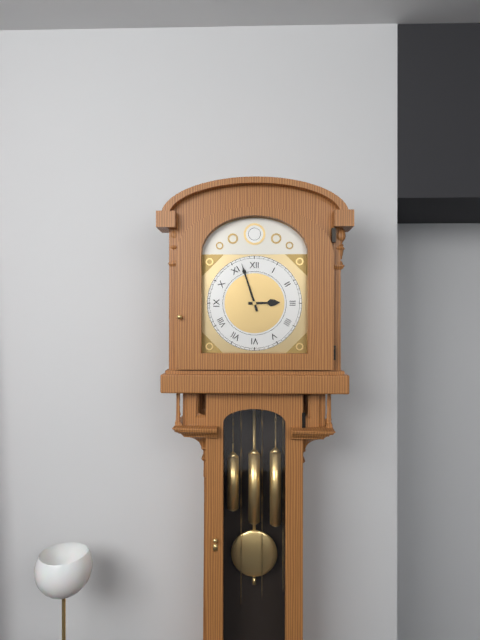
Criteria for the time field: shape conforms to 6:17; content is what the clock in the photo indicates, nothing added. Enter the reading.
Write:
2:57
